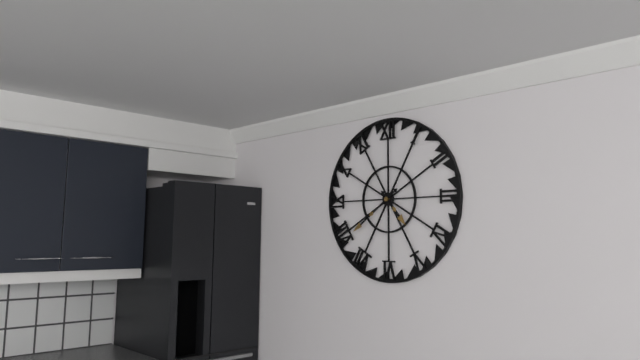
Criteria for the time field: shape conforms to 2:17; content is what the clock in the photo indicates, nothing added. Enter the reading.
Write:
4:39
